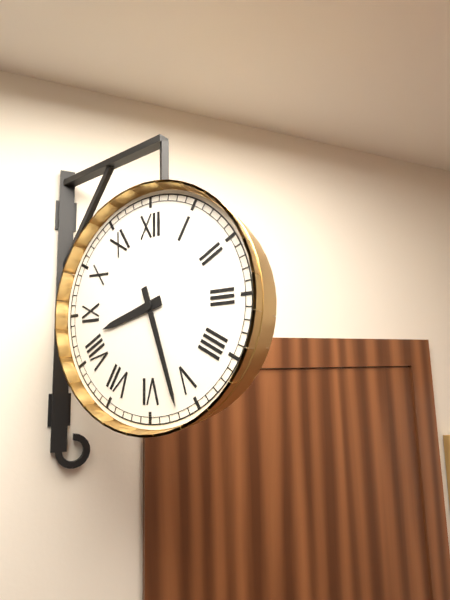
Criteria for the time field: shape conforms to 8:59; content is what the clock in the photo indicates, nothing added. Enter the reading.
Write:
8:27
